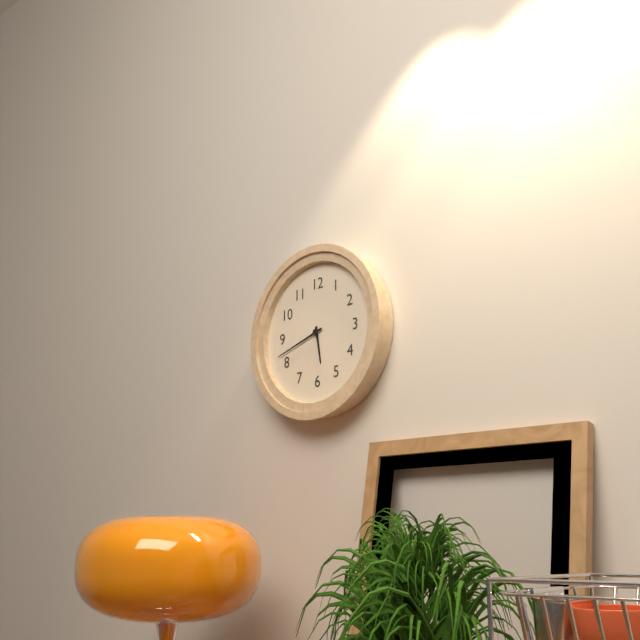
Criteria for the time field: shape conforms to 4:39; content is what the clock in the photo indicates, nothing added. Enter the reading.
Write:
5:42
